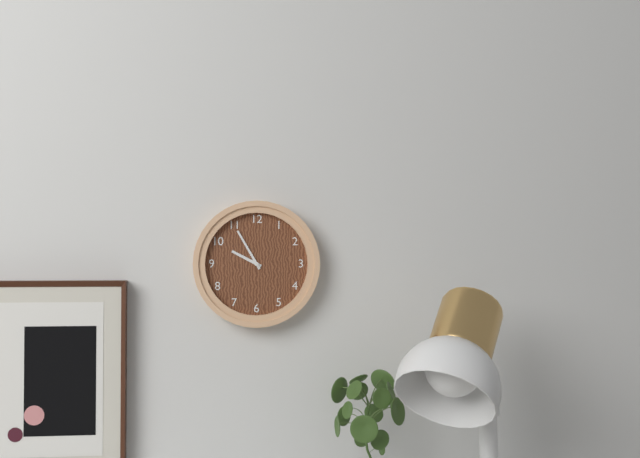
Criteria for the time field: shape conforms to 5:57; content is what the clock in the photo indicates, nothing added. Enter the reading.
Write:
9:55
